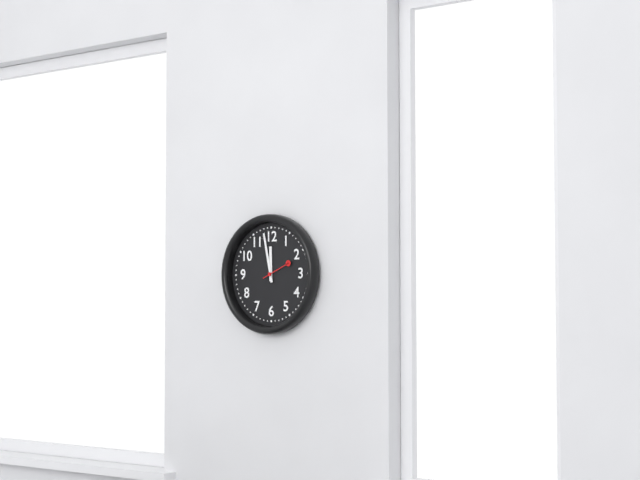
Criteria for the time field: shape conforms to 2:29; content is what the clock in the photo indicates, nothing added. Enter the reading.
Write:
11:58
